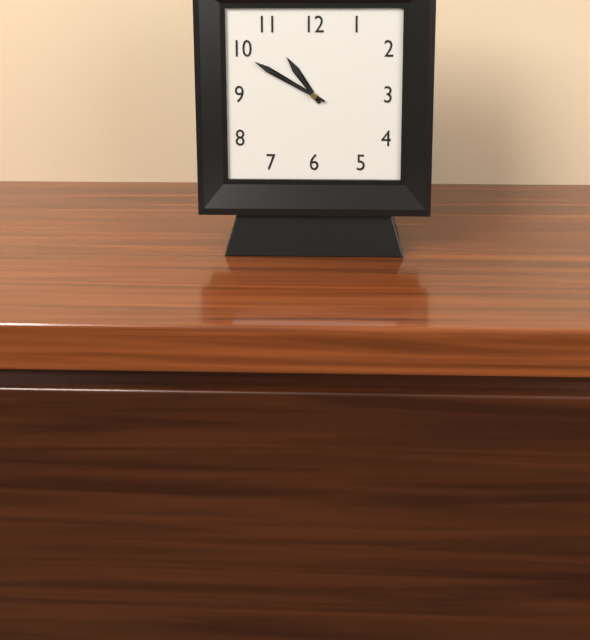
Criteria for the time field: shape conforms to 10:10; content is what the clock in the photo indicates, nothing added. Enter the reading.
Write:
10:50
